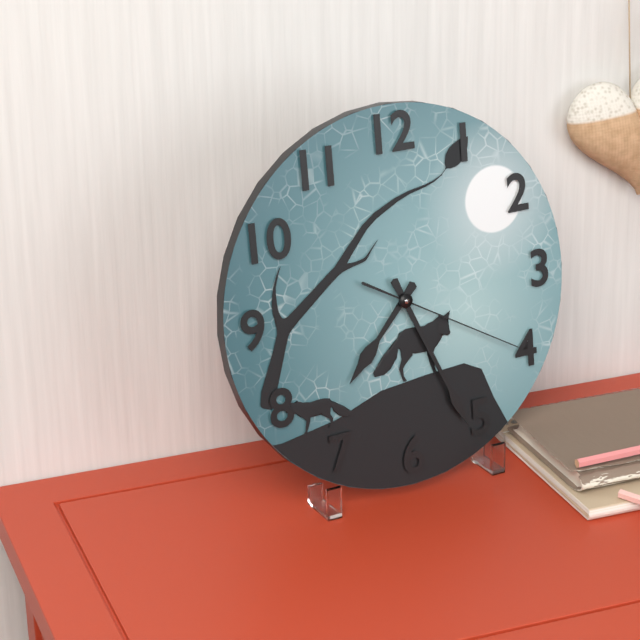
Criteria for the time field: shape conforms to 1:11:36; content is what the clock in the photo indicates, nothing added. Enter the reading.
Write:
7:26:20
